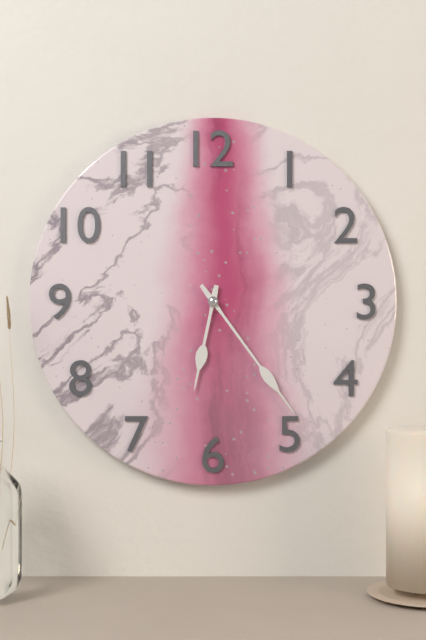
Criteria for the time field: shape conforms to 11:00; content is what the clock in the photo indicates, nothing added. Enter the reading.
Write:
6:24
